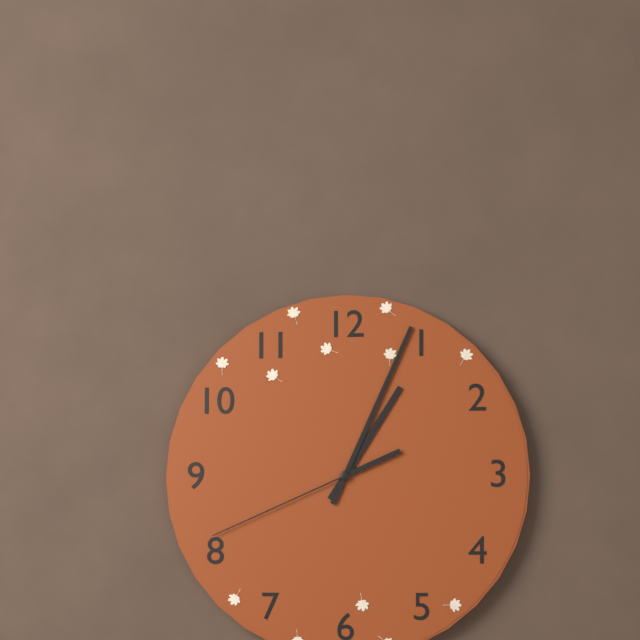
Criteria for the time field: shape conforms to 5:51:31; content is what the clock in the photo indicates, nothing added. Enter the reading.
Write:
1:04:41
